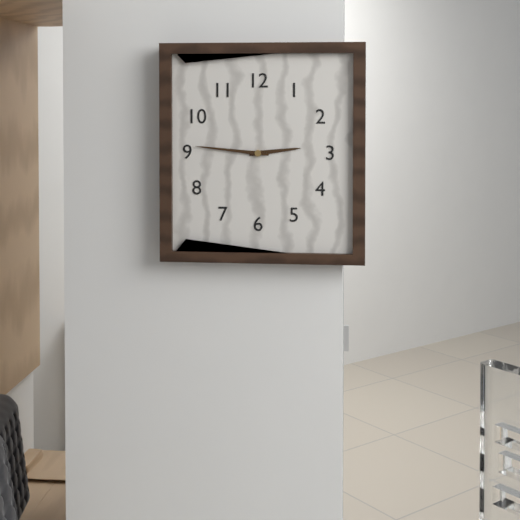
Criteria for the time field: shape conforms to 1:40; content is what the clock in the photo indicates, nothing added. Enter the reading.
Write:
2:46
